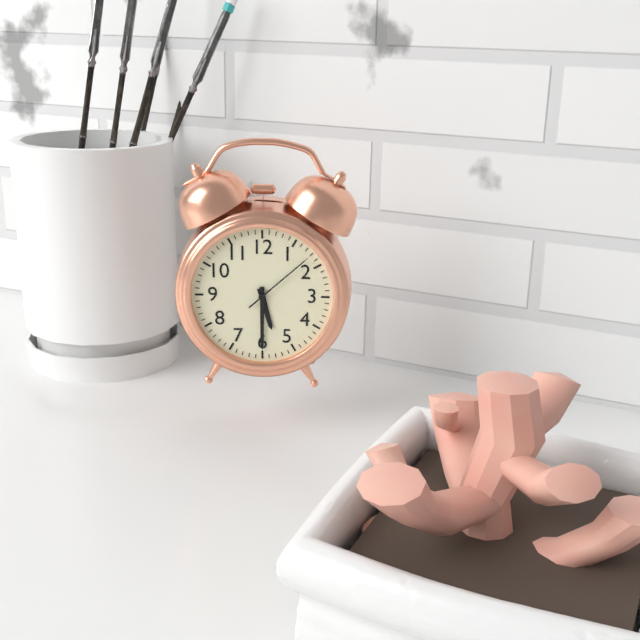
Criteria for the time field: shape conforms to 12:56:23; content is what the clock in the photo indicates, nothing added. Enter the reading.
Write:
5:30:08
